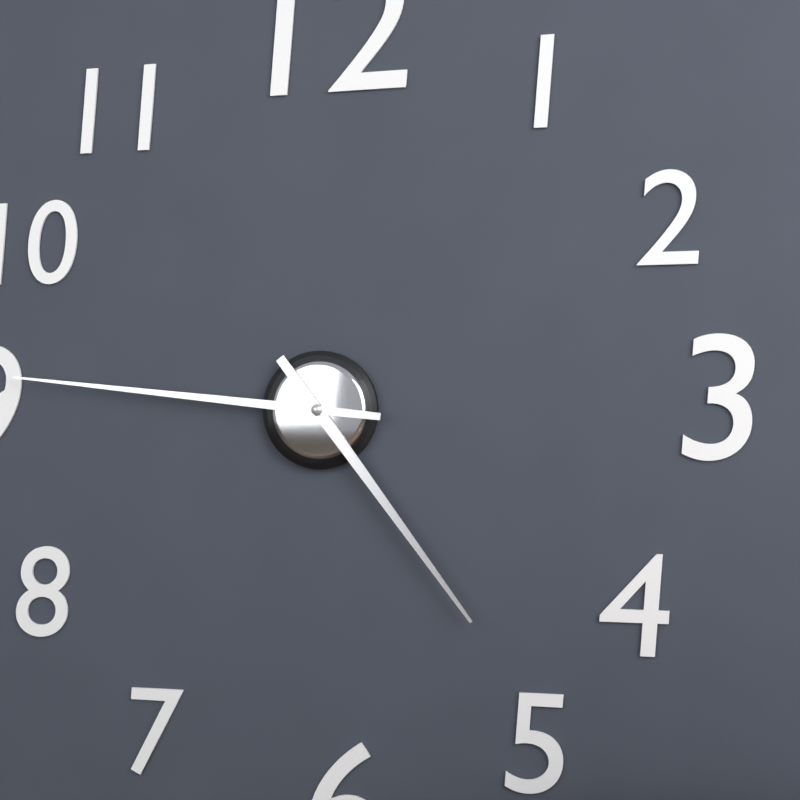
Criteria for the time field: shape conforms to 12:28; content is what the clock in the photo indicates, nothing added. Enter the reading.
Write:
4:46
